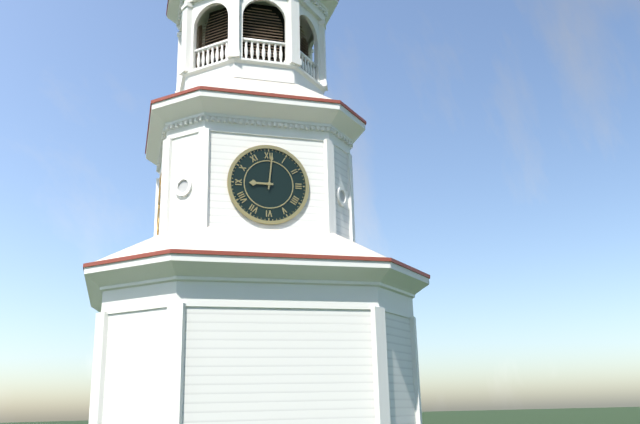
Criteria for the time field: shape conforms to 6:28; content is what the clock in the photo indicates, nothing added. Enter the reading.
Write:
9:01
